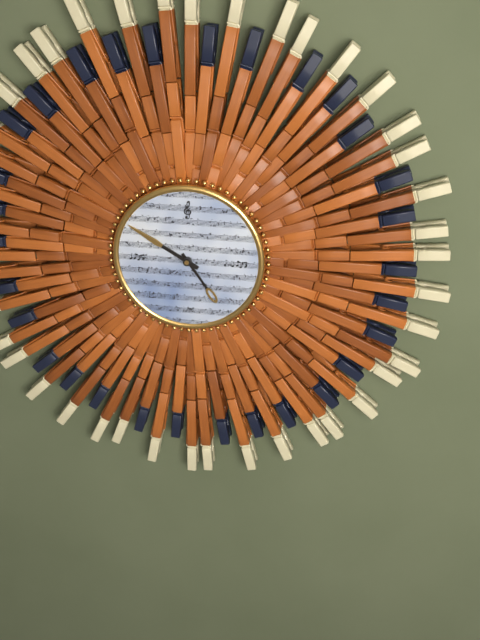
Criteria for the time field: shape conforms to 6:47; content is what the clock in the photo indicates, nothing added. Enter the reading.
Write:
4:50
